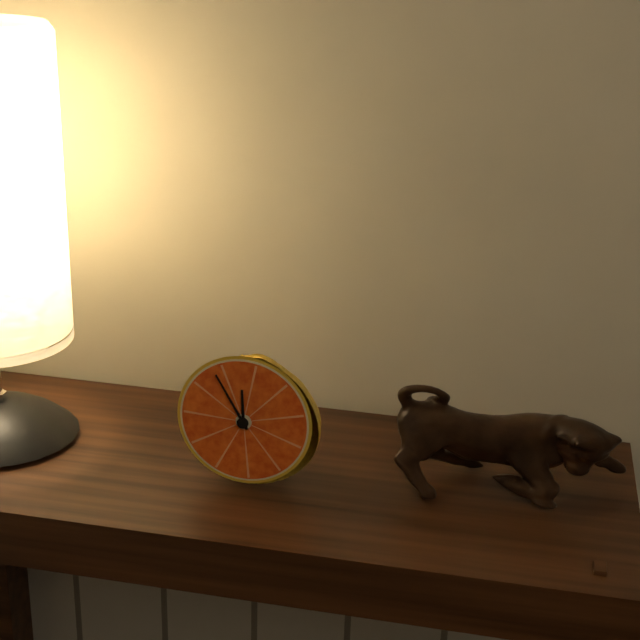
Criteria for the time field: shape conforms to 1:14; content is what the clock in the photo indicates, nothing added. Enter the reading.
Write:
11:55
